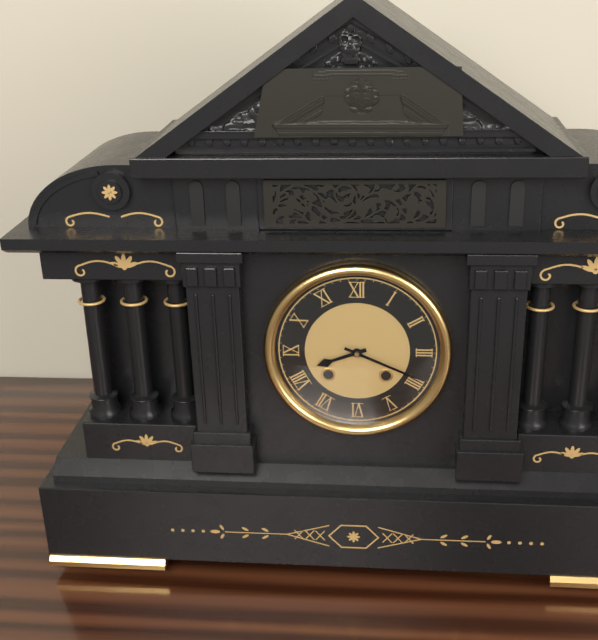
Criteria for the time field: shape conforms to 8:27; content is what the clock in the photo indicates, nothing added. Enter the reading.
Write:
8:19
